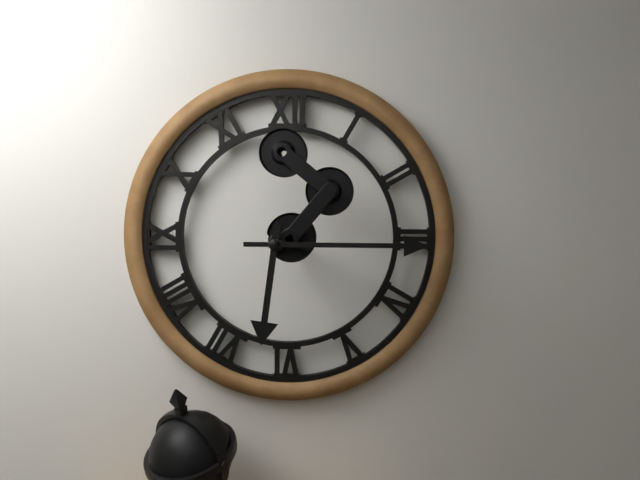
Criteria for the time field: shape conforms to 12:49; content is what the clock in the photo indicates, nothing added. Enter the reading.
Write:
6:15
